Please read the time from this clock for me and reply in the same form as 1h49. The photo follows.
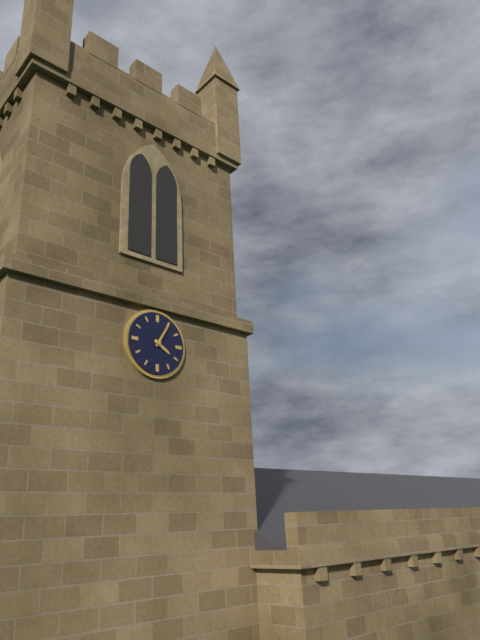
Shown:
4h05
